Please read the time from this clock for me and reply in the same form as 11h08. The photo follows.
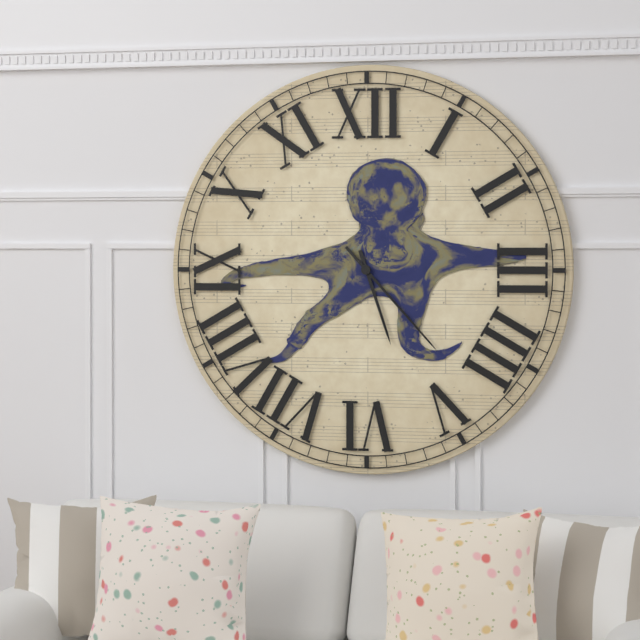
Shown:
5h23
